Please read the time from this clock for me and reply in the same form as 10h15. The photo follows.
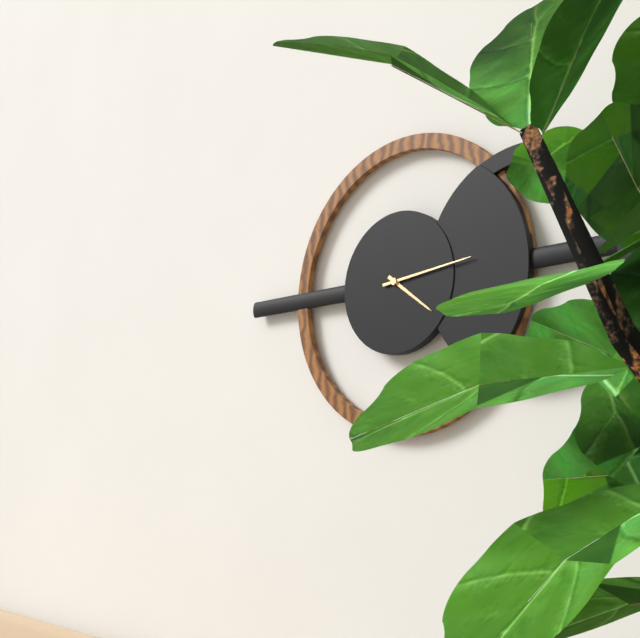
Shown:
4h14
